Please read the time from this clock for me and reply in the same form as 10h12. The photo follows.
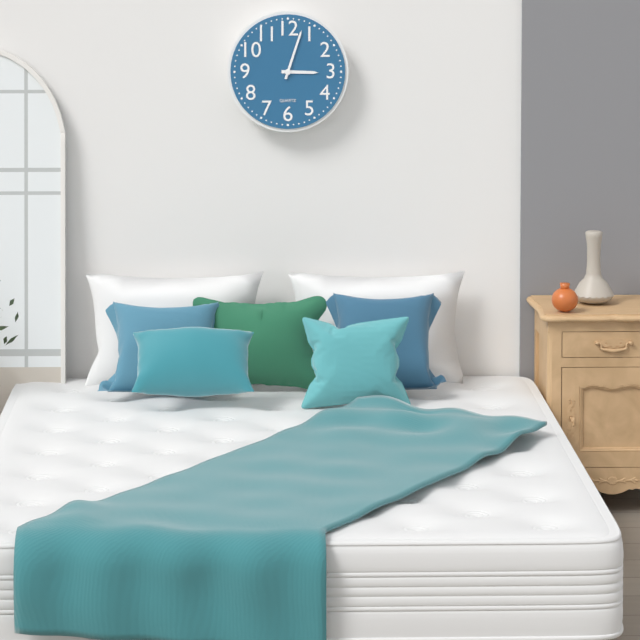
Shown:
3h03
